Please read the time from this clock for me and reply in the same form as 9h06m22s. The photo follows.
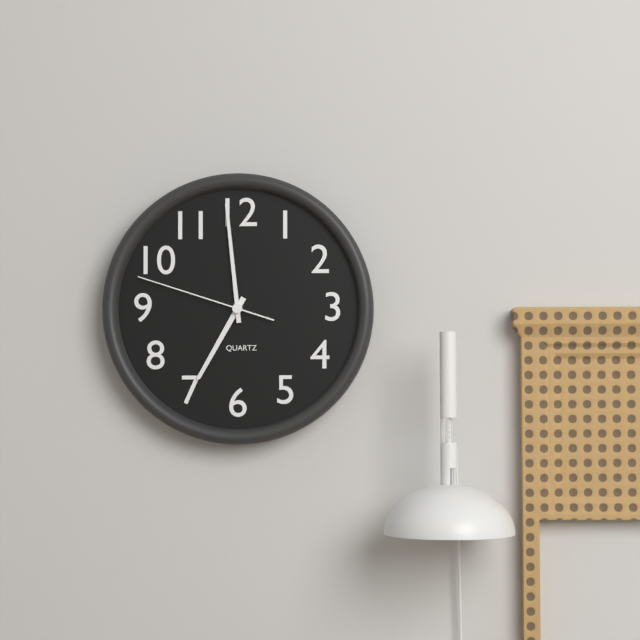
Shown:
6h59m48s
